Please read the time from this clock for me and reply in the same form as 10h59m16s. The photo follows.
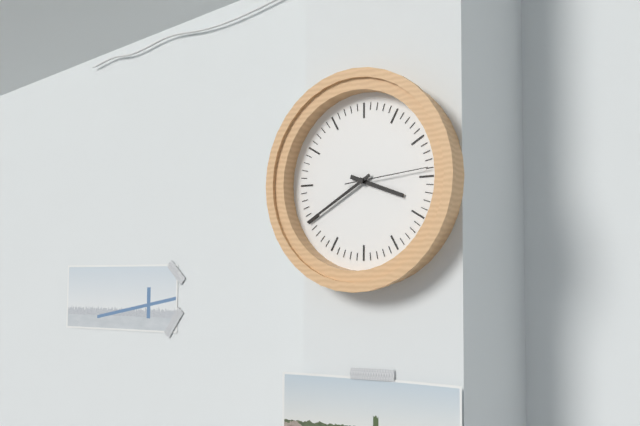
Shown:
3h40m14s
